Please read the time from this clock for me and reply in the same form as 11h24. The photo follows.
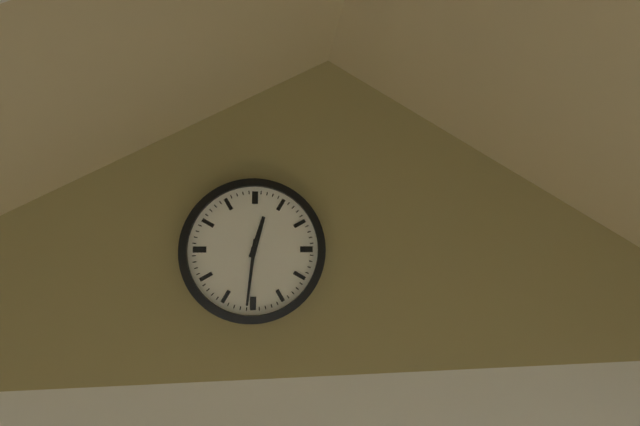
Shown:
12h31
